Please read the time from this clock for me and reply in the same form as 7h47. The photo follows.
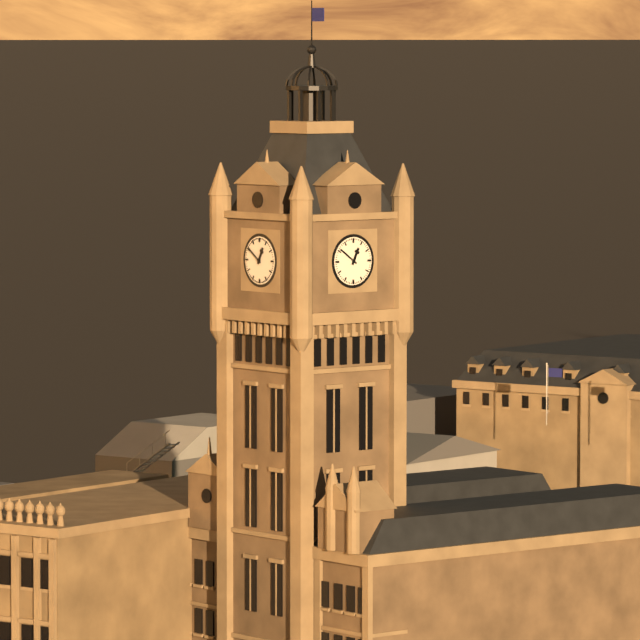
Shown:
12h51
